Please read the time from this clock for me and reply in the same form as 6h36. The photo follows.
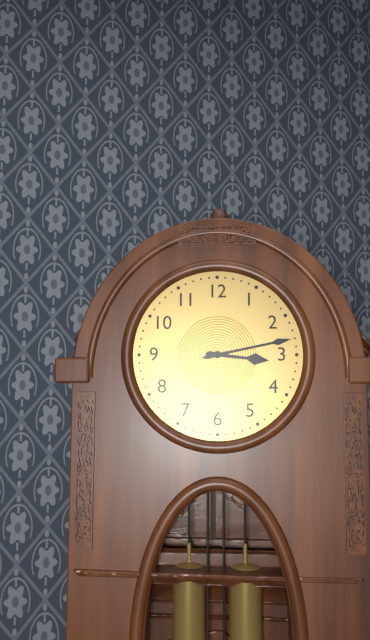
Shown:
3h13
